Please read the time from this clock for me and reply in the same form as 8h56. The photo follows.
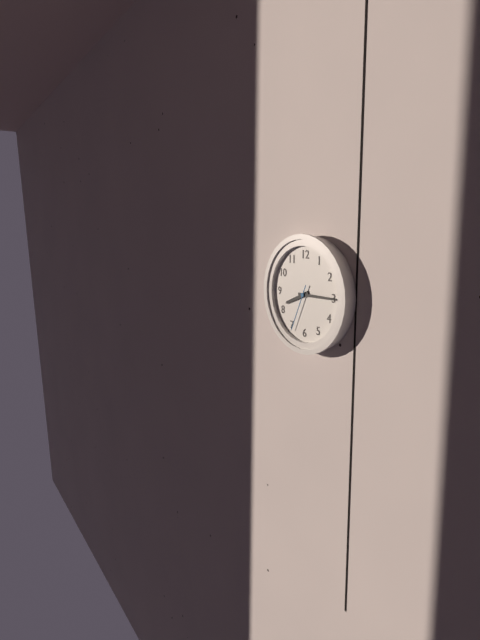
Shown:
8h15
